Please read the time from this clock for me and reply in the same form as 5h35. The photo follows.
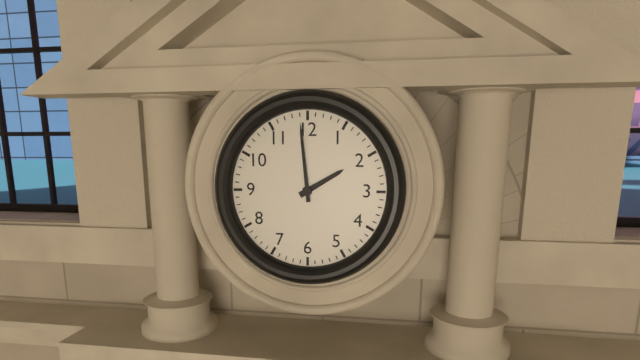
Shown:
1h59
